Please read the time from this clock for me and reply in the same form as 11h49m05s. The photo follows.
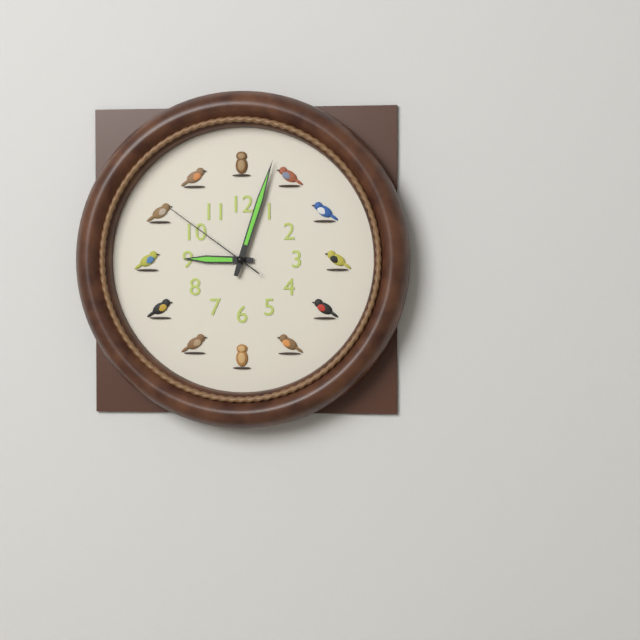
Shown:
9h03m51s
